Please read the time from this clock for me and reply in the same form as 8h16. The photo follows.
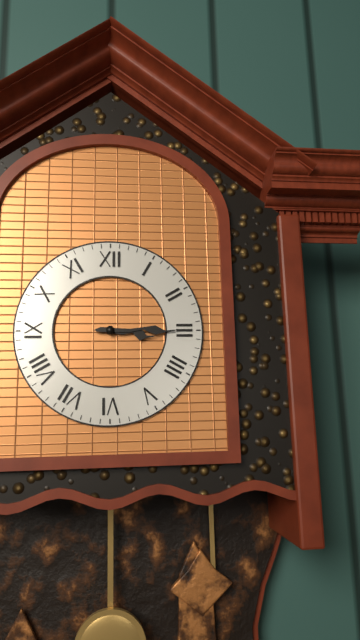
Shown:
3h15
